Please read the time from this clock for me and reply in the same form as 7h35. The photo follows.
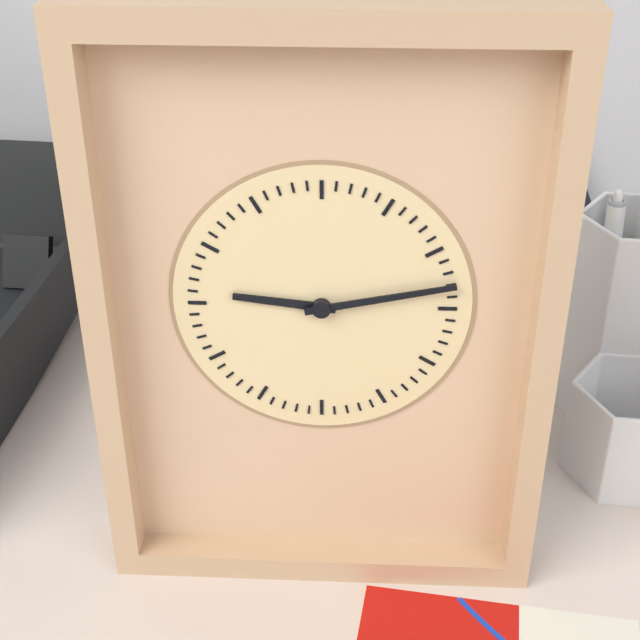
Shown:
9h13
